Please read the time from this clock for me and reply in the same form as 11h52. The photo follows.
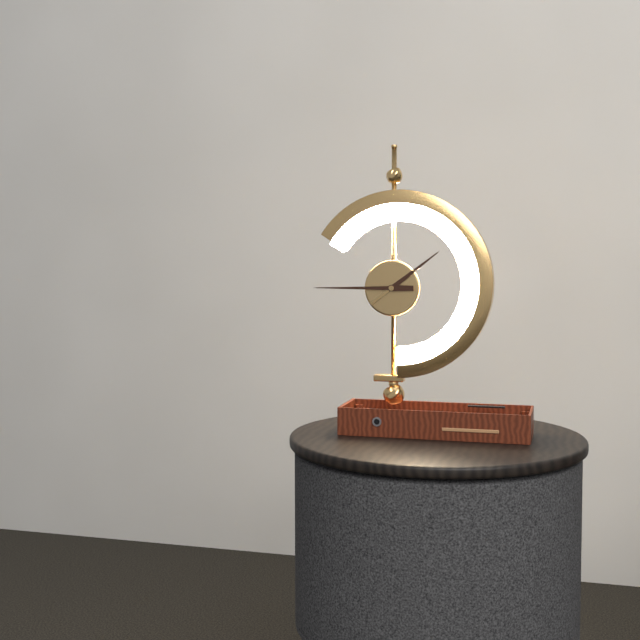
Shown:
1h45
